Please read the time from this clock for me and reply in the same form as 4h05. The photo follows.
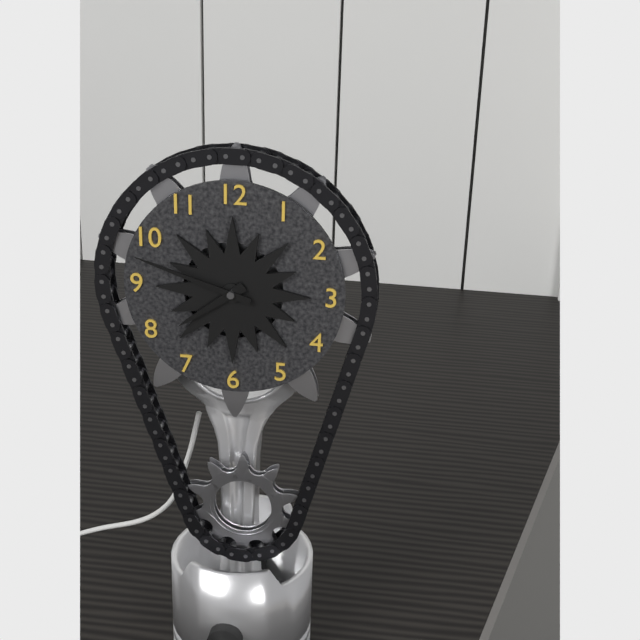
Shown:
7h48
